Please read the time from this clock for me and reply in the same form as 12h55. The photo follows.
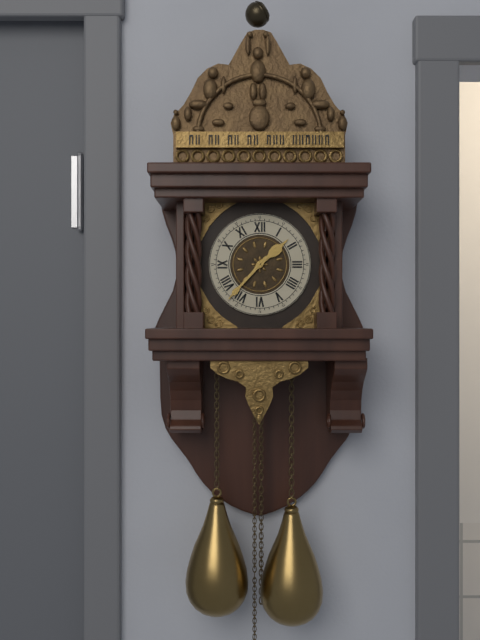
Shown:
1h37
